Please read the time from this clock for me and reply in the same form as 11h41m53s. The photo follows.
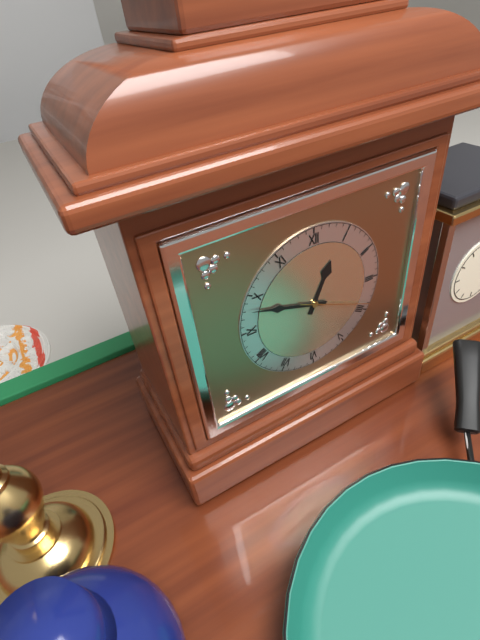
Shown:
12h48m19s
